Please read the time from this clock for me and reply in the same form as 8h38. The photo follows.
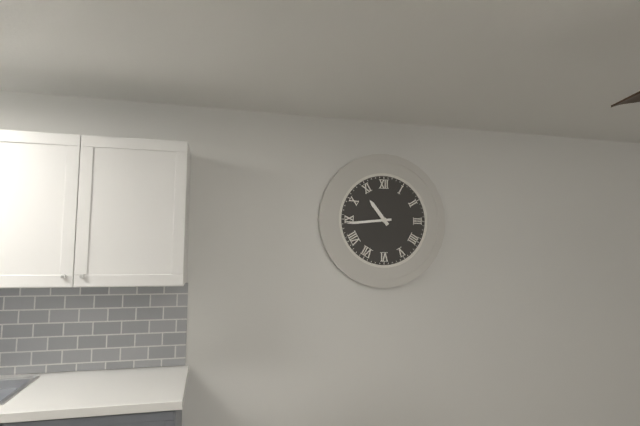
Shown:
10h44
